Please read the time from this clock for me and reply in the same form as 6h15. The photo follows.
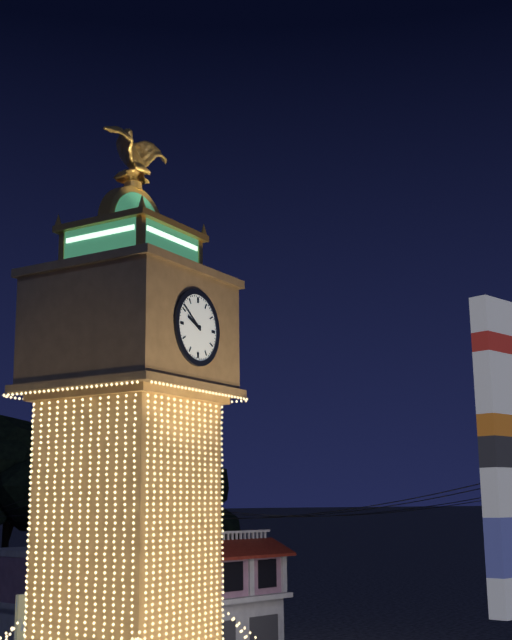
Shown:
9h51
